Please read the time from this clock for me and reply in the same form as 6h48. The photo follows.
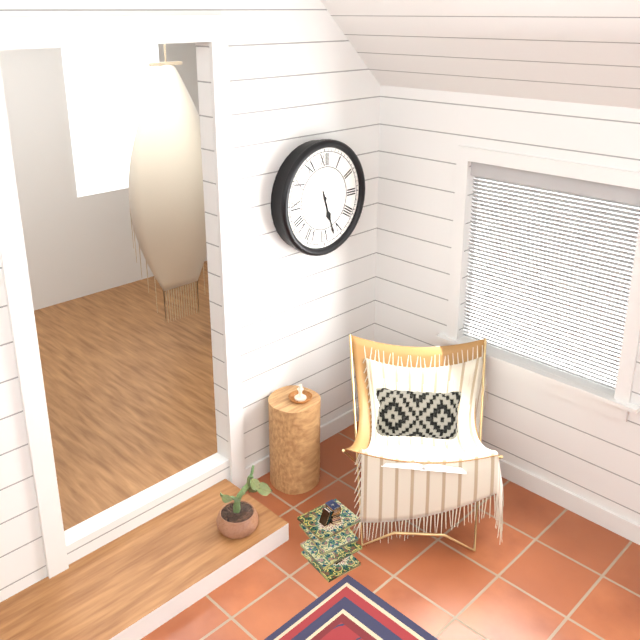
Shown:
5h27
